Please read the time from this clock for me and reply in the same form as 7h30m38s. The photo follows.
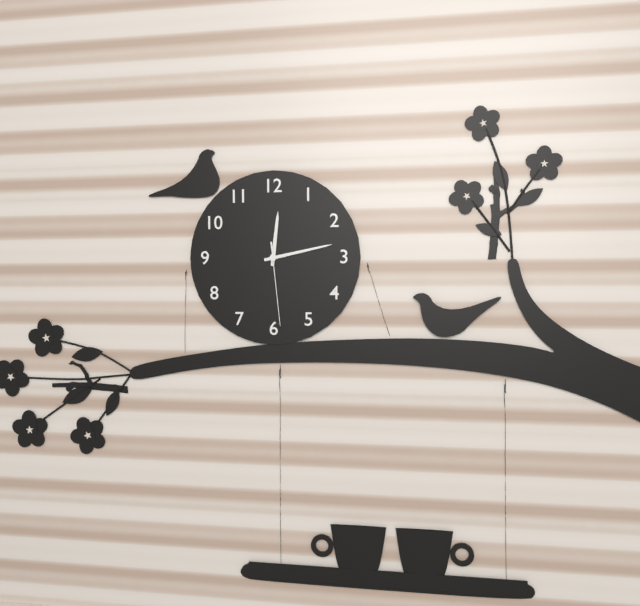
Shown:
12h13m29s
